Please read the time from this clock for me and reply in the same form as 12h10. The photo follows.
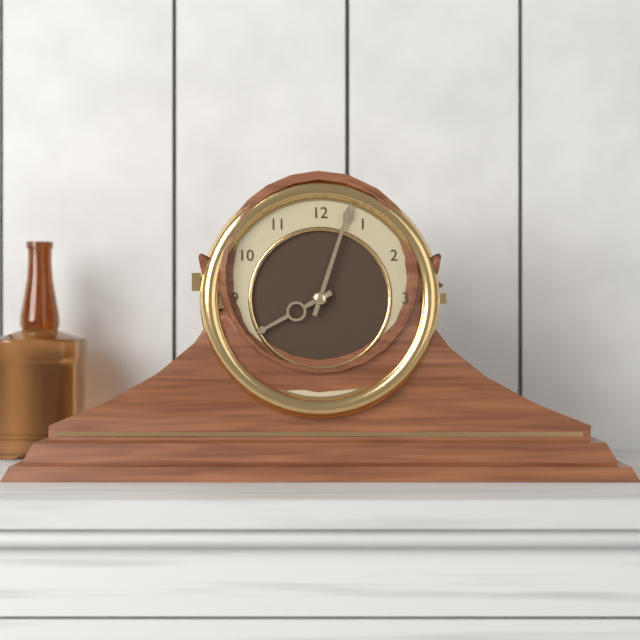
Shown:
8h03
